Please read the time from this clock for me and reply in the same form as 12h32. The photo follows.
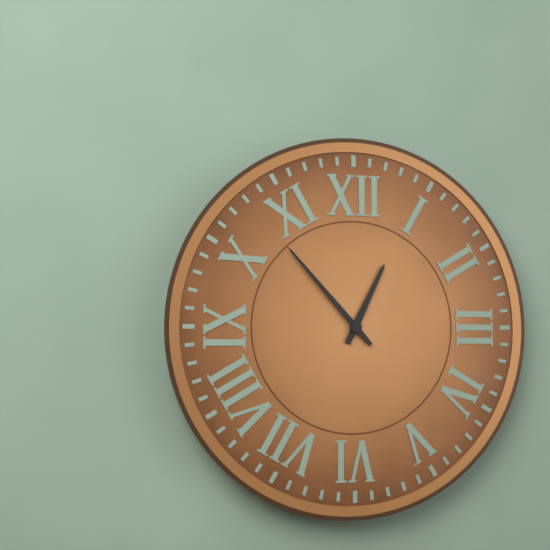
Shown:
12h53
